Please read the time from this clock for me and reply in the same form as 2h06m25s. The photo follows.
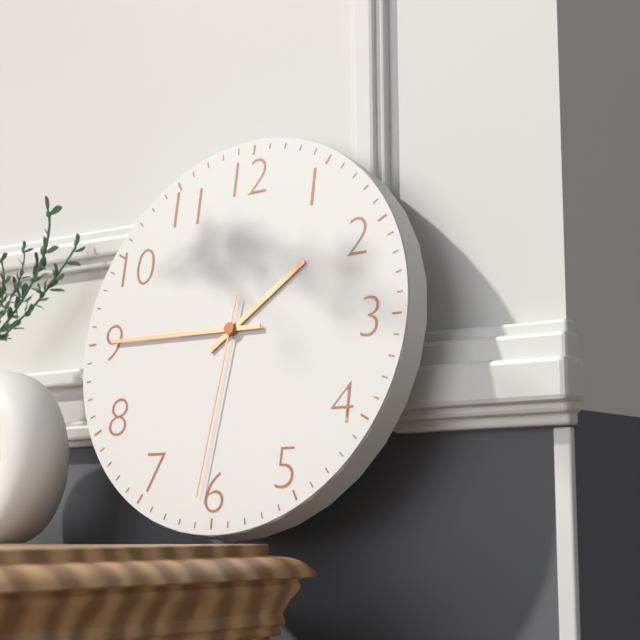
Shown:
1h45m31s
